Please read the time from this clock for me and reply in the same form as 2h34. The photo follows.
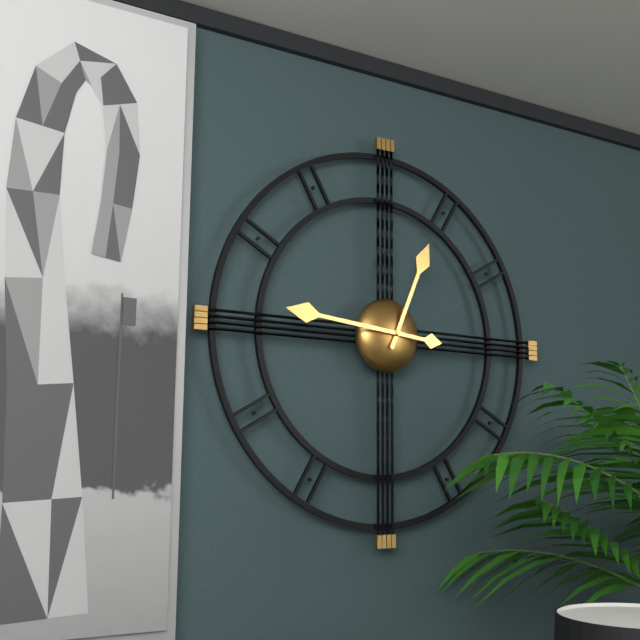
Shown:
12h46
